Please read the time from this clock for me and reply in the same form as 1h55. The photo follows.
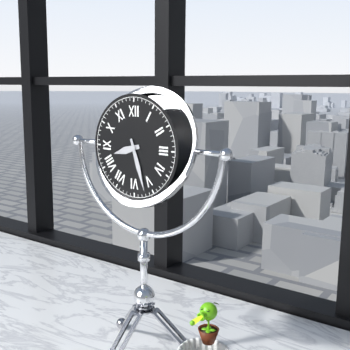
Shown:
8h27
